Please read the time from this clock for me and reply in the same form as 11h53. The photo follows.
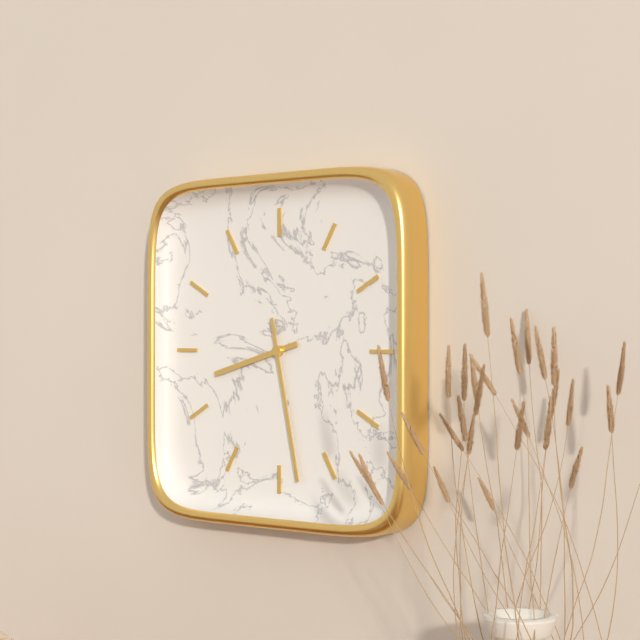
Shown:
8h28
